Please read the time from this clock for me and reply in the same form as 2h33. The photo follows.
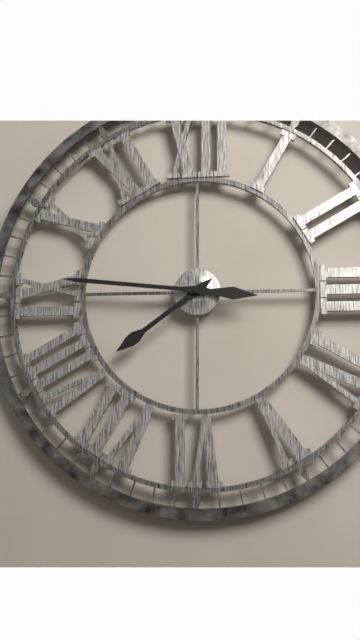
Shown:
7h46
